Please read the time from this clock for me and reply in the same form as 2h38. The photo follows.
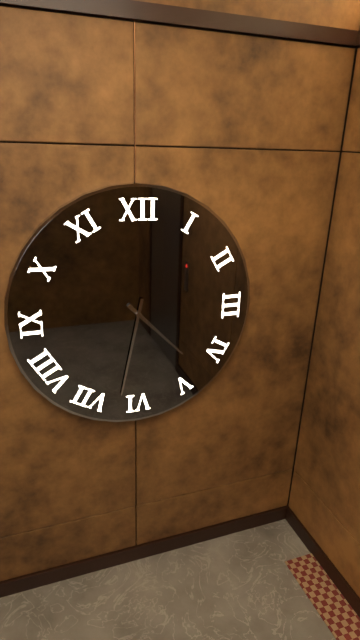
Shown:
4h32
